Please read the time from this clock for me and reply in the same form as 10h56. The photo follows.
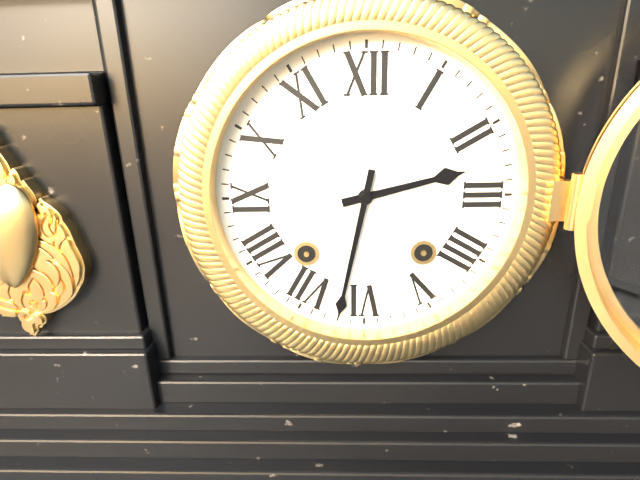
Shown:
2h32
